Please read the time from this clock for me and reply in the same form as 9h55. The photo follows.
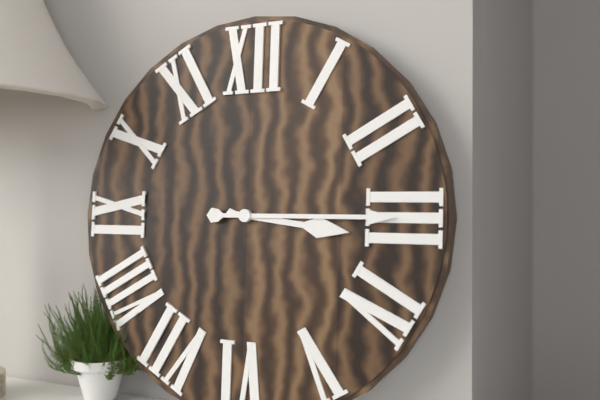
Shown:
3h15
